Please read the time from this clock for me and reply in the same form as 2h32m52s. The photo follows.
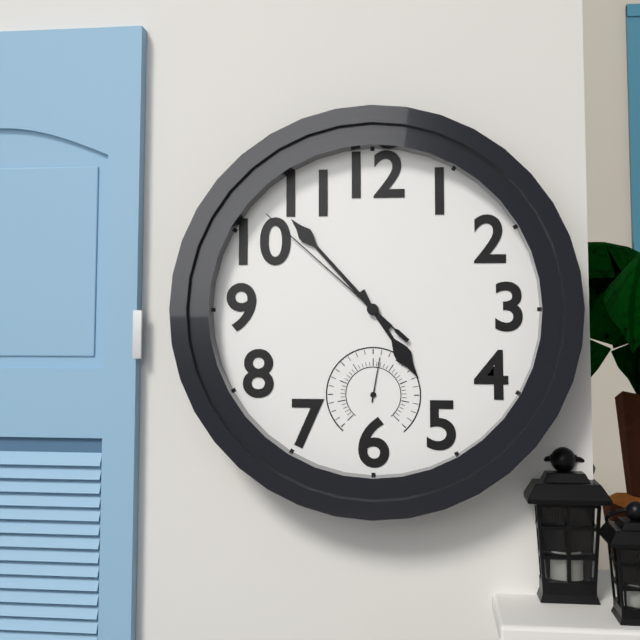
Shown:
4h53m52s
